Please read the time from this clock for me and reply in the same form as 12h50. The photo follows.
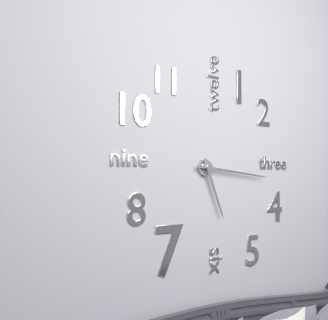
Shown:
5h16
